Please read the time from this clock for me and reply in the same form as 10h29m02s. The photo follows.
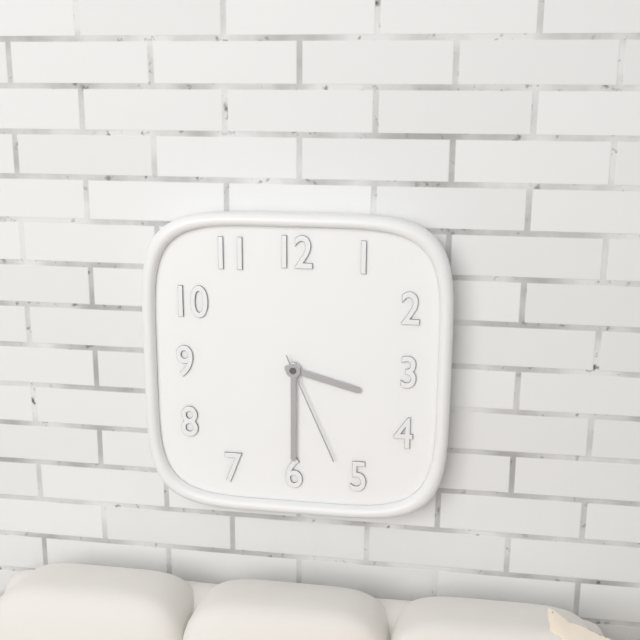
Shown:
3h30m26s
